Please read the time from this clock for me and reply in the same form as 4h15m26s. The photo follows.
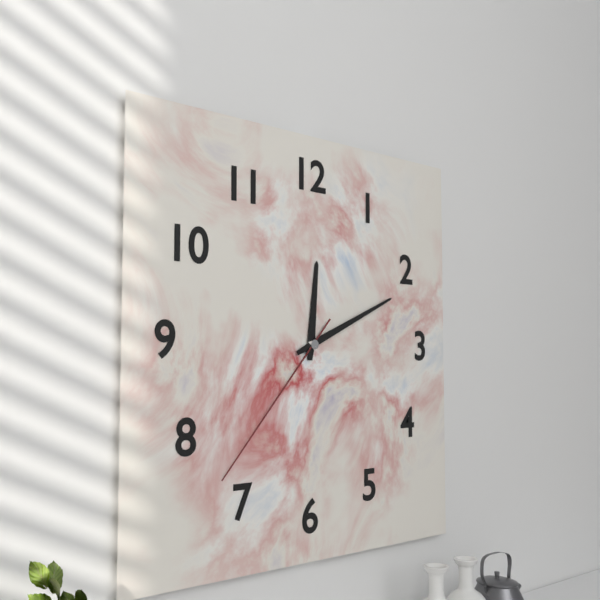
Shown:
12h11m37s
